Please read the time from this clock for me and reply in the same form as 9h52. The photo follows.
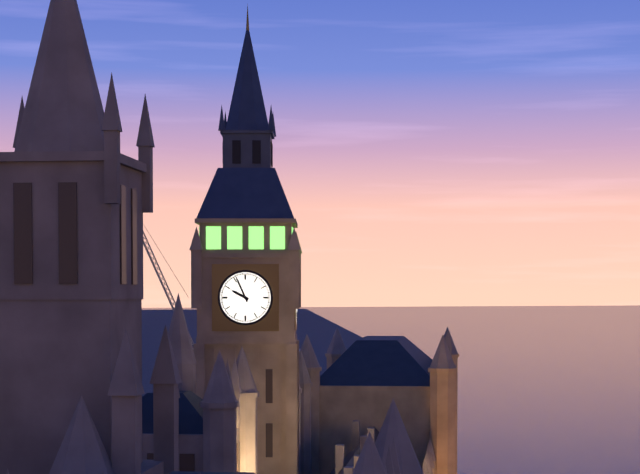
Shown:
9h56
